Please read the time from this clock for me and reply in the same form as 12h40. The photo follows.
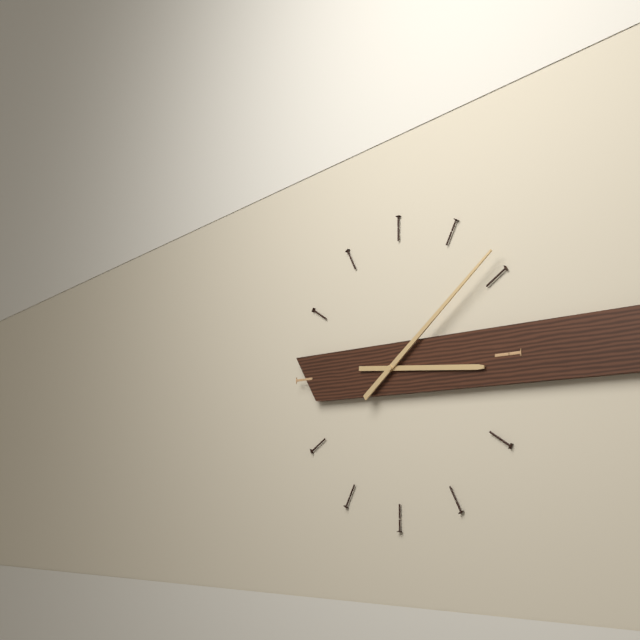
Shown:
3h09
